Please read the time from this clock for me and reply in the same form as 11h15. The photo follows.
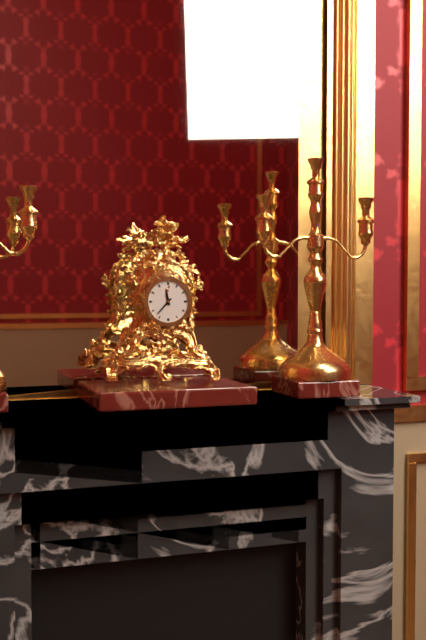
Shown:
11h37
